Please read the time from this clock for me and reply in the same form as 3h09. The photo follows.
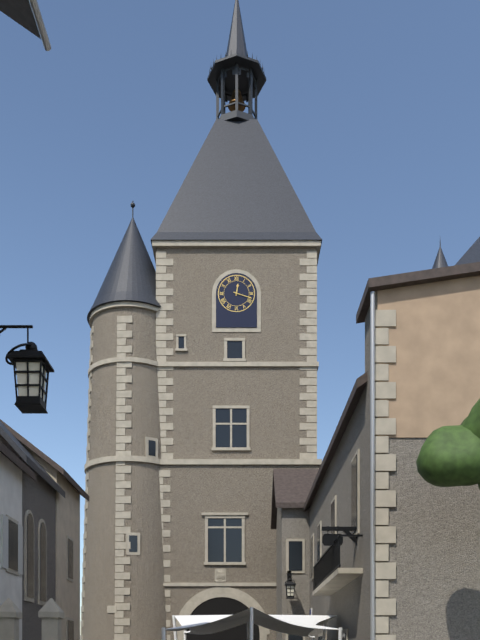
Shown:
12h18
